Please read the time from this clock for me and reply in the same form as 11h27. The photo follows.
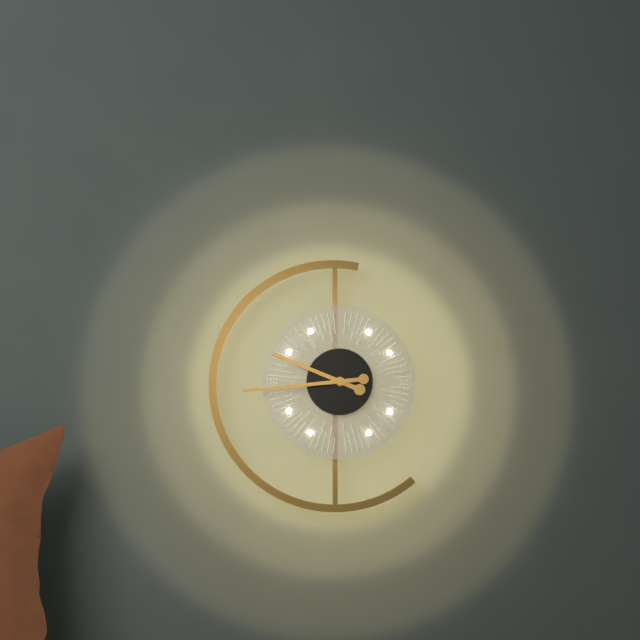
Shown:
9h44
